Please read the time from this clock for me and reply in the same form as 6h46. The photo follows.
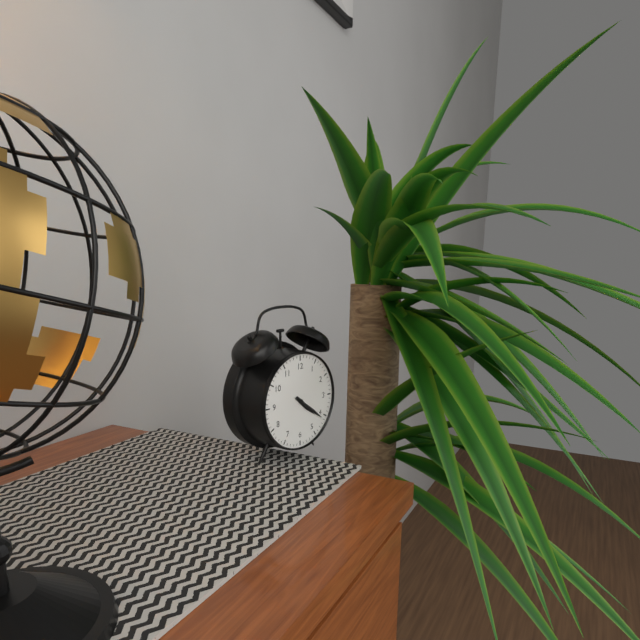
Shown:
4h21
